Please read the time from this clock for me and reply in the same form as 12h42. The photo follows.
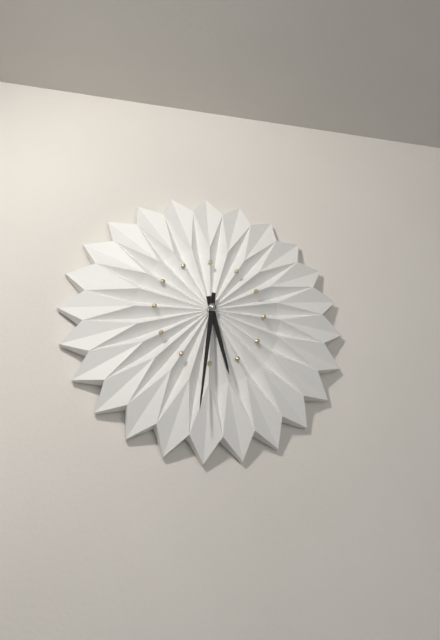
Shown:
5h31
